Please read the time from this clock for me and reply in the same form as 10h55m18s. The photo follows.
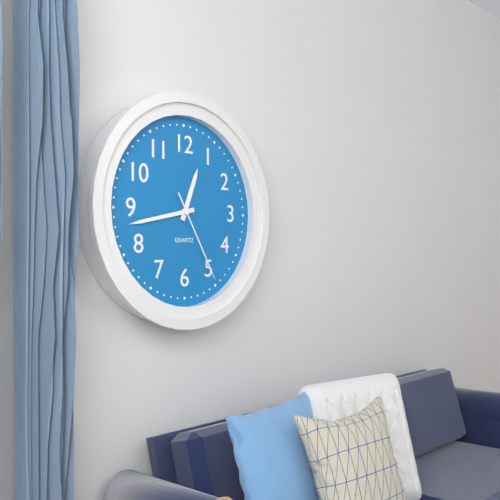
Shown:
12h43m25s
